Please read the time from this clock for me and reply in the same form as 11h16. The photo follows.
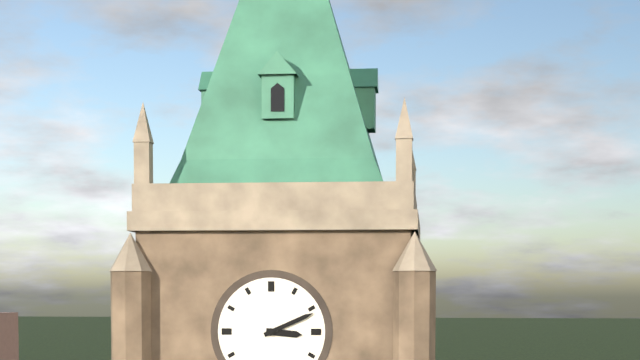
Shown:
3h11
